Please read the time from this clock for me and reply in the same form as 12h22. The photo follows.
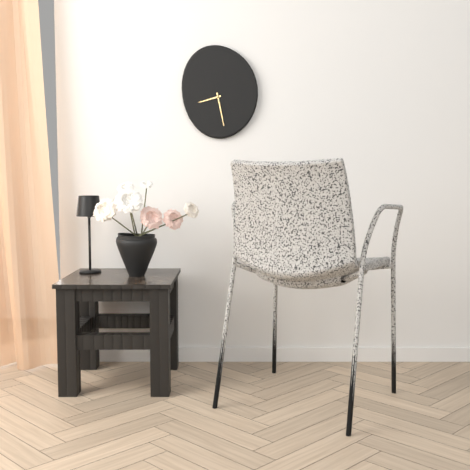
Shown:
8h28
